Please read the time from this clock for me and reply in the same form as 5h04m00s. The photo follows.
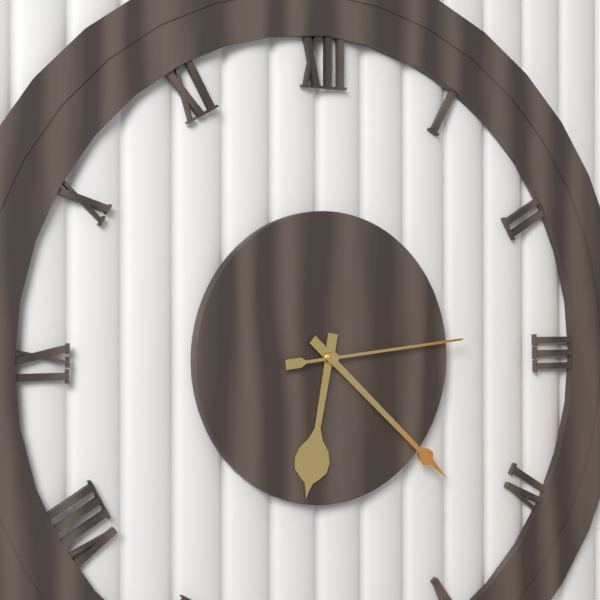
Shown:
6h22m14s
